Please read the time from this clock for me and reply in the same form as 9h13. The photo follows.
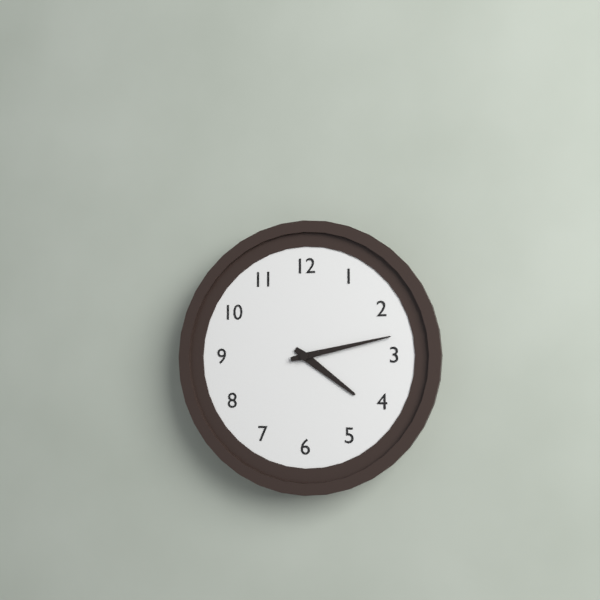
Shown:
4h13
